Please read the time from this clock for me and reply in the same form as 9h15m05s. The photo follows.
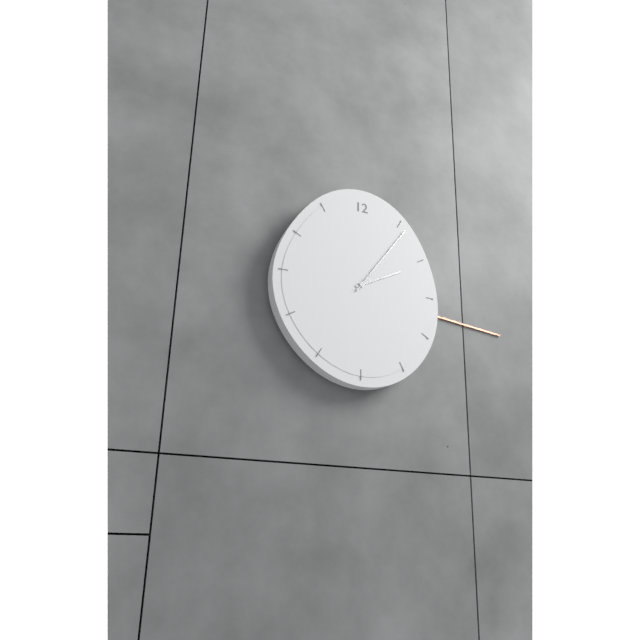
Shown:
2h06m16s
